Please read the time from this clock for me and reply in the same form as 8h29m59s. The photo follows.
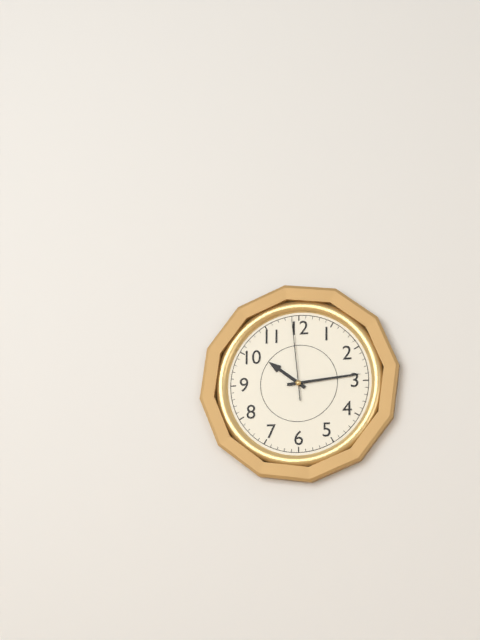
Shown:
10h14m59s
